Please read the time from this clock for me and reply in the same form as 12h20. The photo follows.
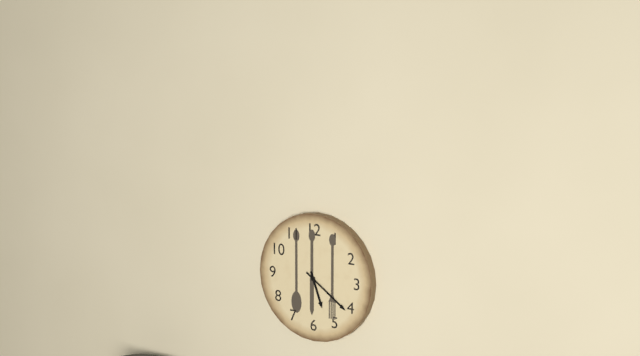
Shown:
5h21
